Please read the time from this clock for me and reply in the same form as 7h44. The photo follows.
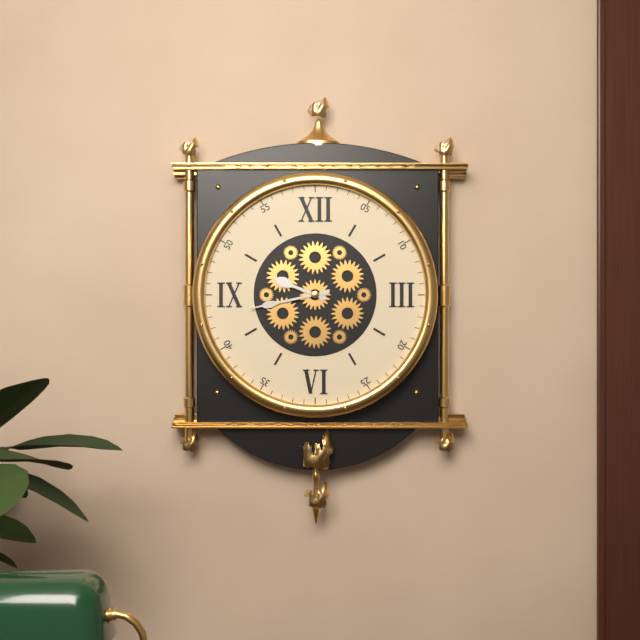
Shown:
9h43
